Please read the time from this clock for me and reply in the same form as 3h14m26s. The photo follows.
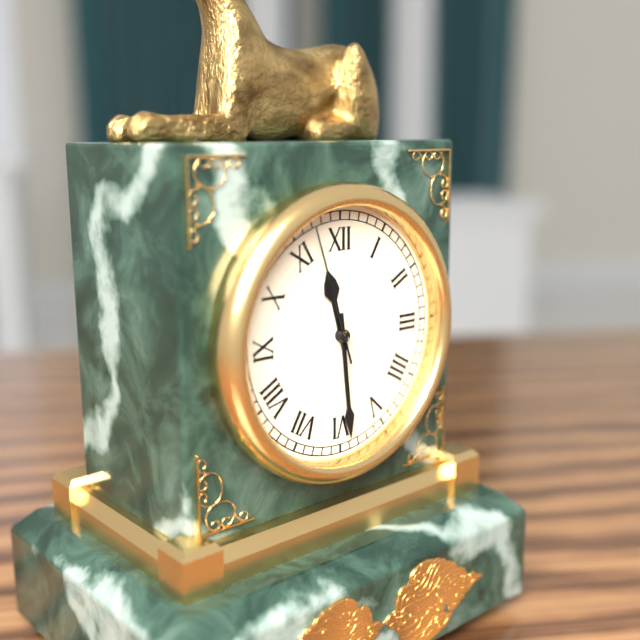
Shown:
11h29m57s
